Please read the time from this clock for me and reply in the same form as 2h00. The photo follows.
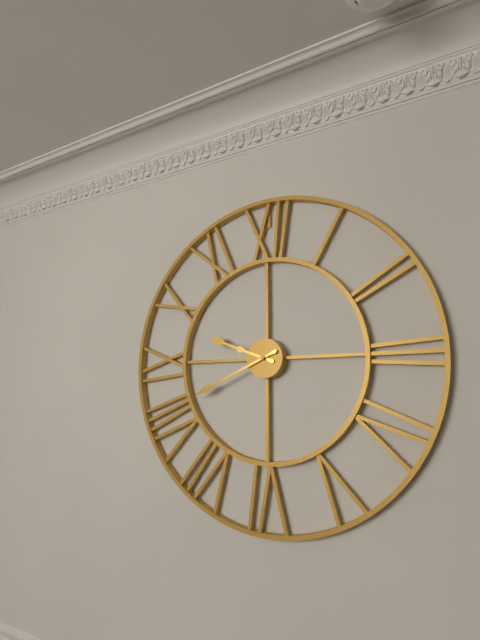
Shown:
9h41
